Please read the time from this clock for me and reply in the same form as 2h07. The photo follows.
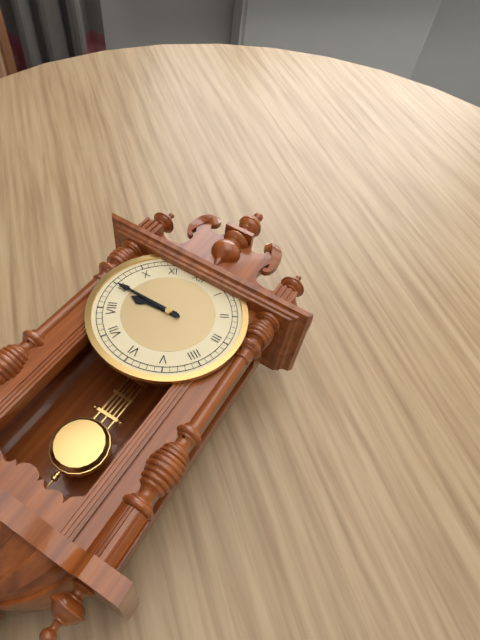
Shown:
8h45
